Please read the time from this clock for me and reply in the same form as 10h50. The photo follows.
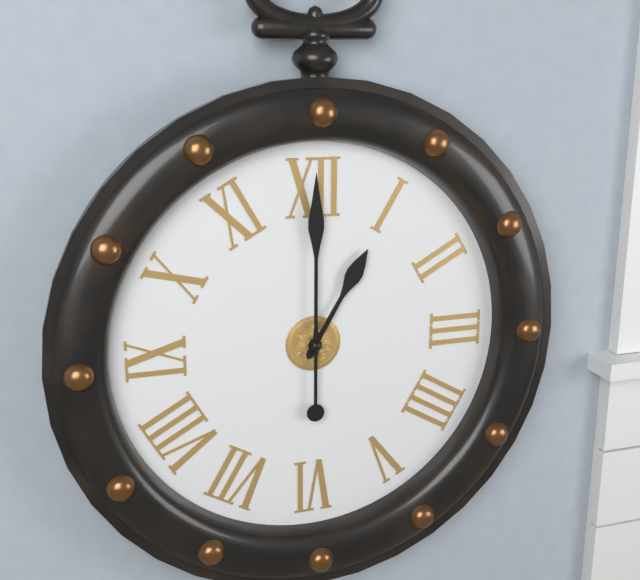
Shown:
1h00
